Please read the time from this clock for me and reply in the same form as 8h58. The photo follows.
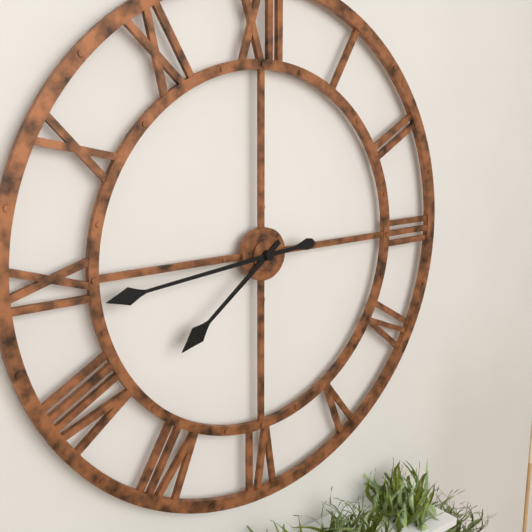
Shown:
7h44
